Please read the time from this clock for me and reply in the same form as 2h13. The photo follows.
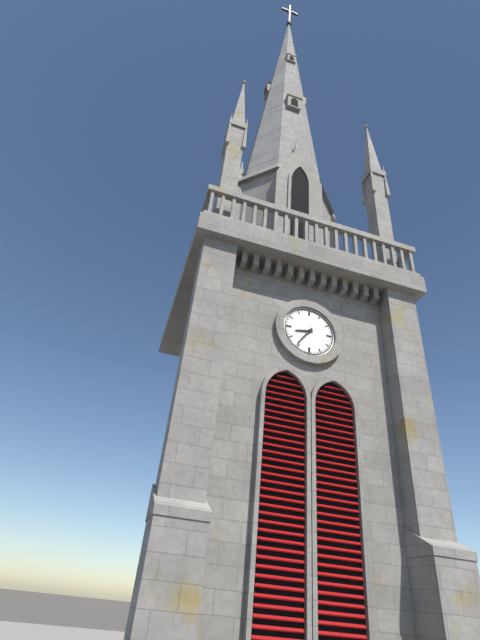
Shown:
8h36
